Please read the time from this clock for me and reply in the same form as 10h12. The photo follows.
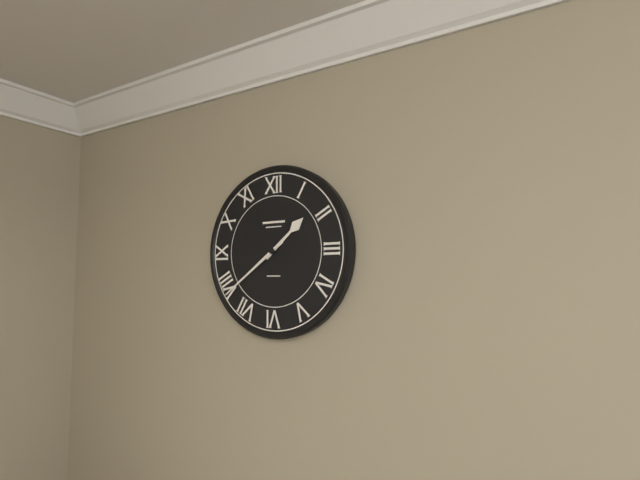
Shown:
1h39
